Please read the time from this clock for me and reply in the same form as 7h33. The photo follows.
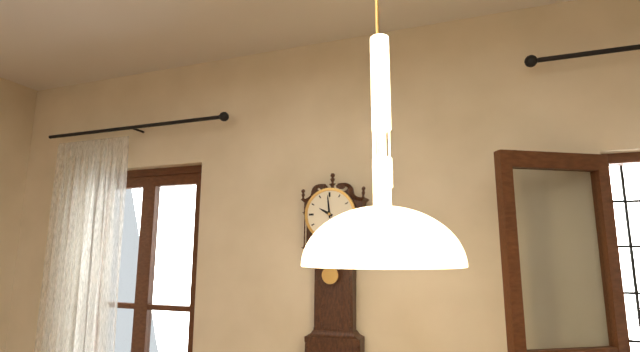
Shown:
9h59
